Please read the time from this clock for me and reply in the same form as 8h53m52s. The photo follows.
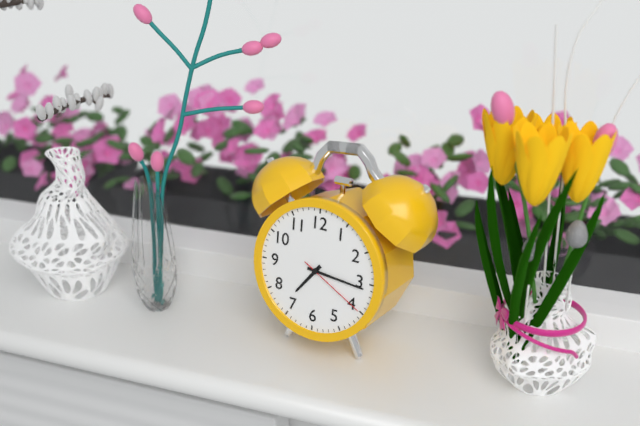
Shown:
7h16m20s
